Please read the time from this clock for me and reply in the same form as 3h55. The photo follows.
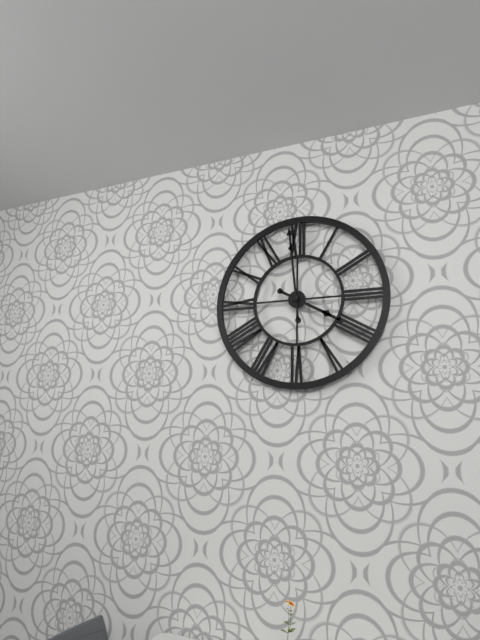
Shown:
3h59
